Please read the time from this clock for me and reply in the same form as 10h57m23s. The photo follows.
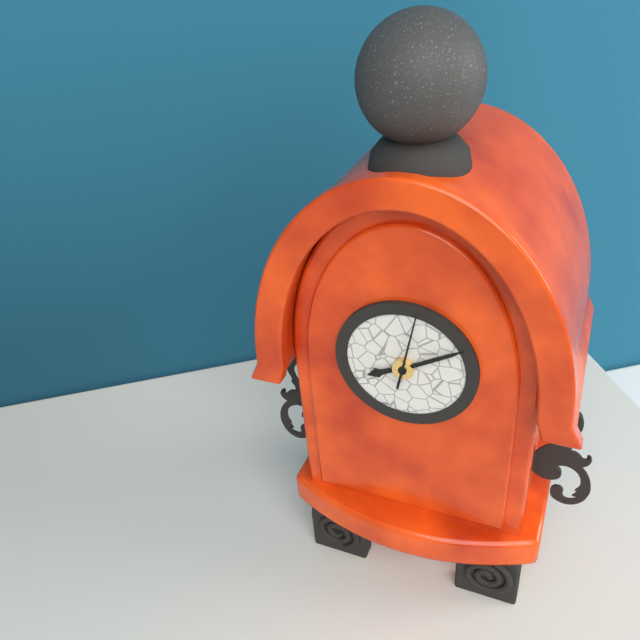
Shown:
8h10m02s
